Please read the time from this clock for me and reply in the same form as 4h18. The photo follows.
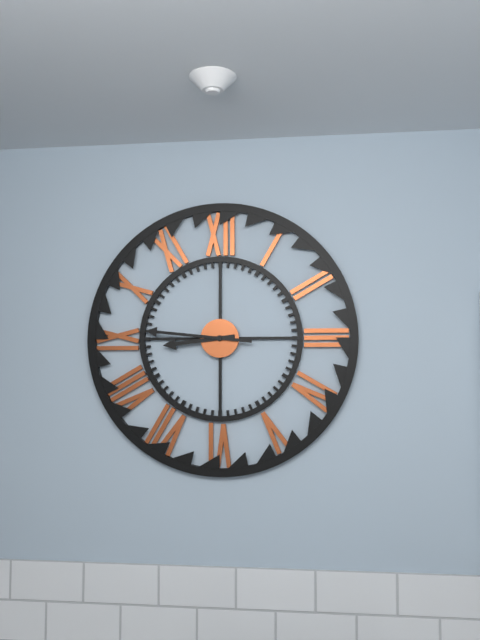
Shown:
8h46
